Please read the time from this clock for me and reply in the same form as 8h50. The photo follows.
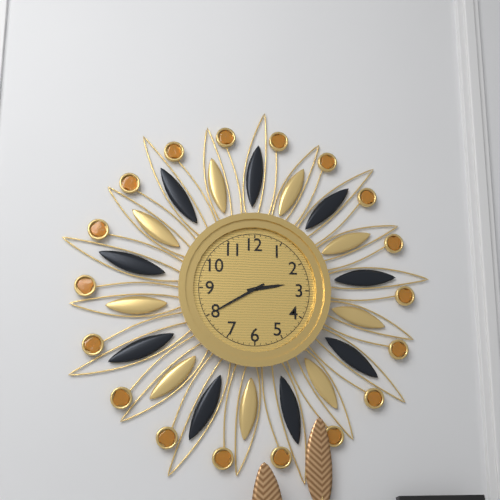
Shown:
2h40
